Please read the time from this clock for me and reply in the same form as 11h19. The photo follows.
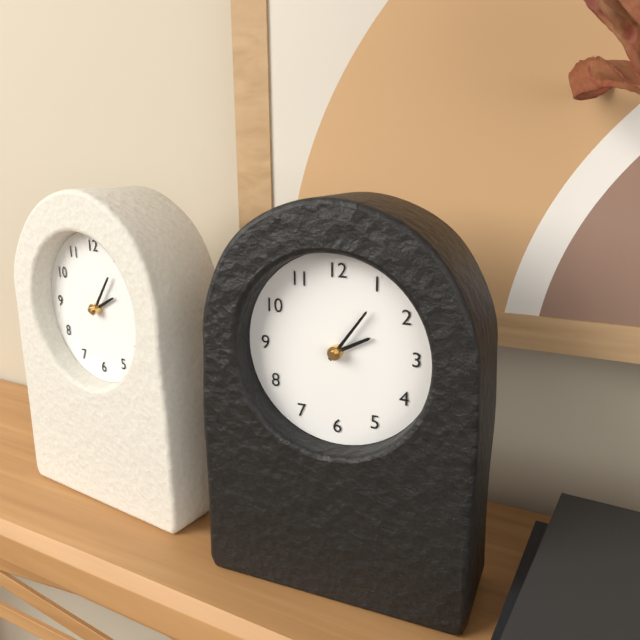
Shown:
2h06
